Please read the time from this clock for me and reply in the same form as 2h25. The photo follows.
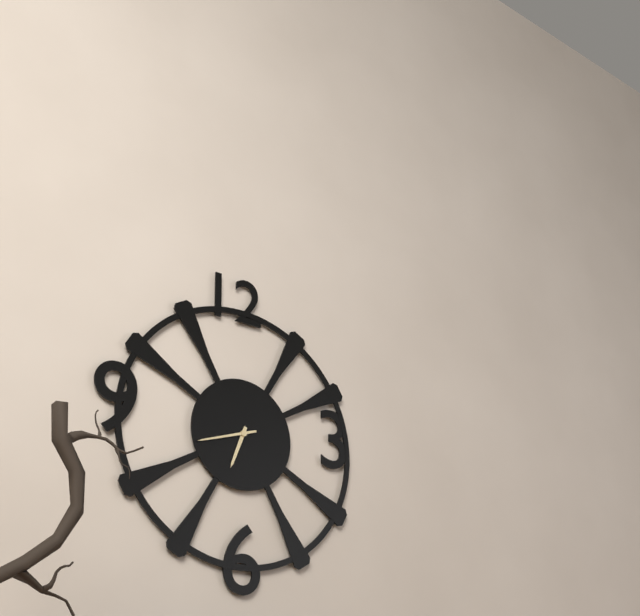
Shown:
6h42
